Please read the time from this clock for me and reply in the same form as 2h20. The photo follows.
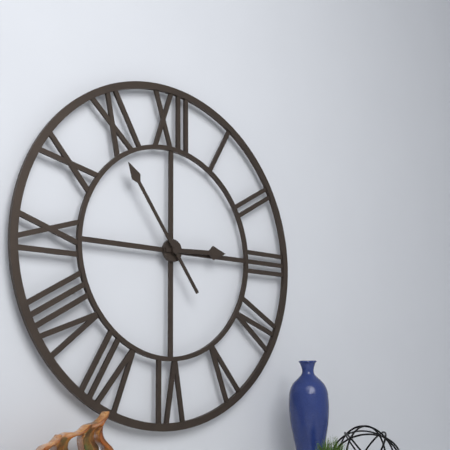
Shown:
2h54
